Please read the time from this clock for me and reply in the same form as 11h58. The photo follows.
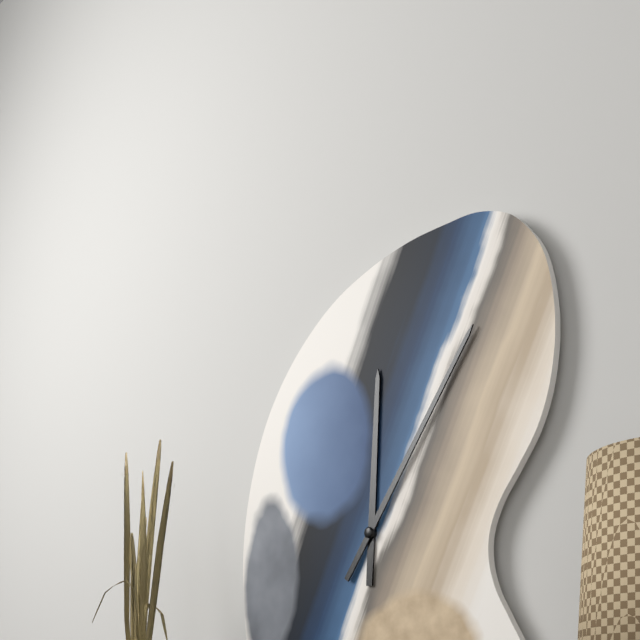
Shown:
12h06
